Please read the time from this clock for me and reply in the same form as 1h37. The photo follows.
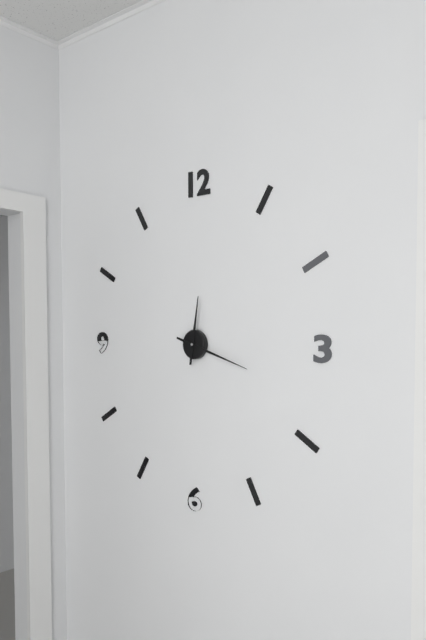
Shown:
12h18
